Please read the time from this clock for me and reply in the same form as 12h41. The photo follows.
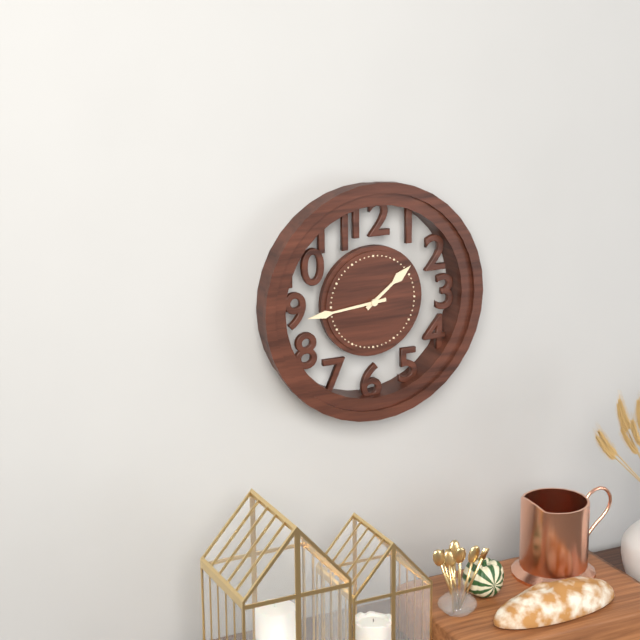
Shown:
1h44
